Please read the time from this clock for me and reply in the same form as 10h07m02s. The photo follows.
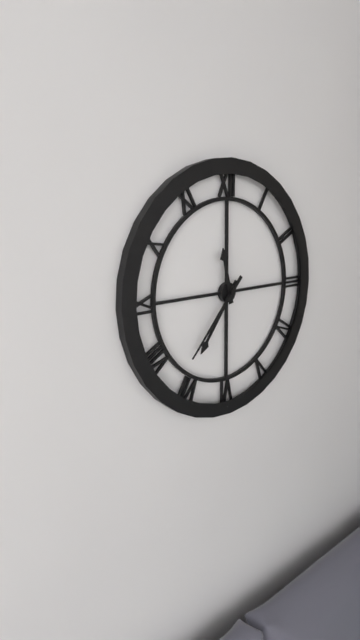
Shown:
11h36m37s
